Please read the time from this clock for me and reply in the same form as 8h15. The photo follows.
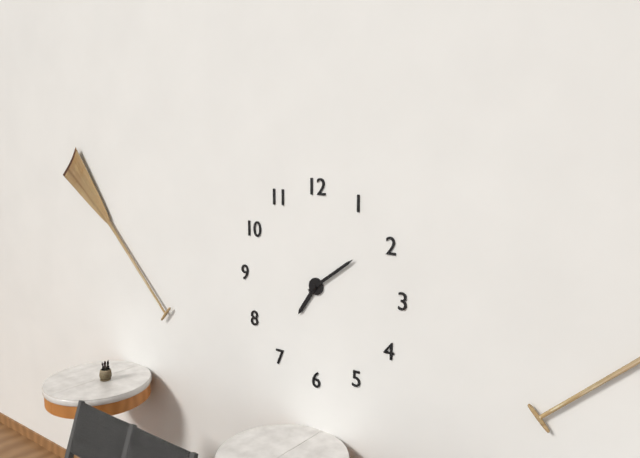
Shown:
7h09
